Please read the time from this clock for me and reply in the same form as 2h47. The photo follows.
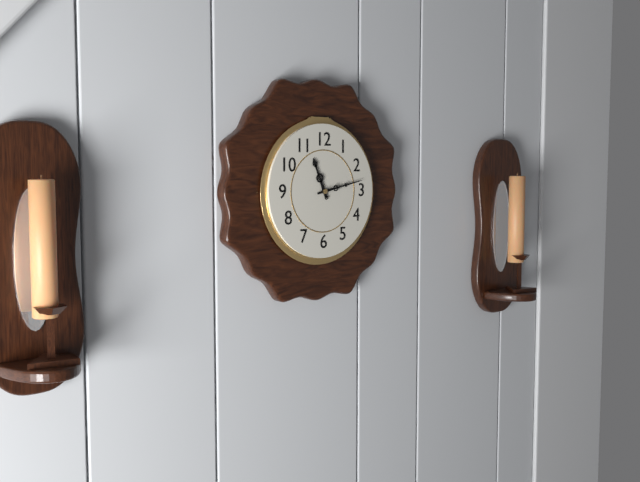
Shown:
11h13
